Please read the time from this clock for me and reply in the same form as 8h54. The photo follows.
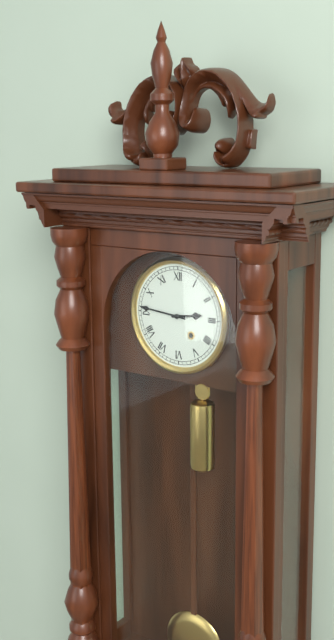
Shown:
2h46
